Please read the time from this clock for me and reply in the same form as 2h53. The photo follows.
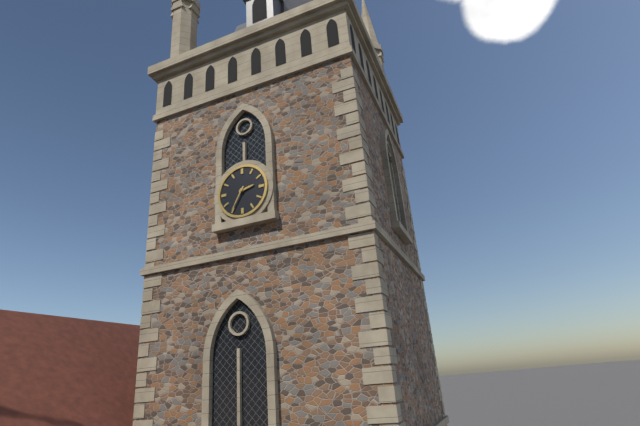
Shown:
2h35
